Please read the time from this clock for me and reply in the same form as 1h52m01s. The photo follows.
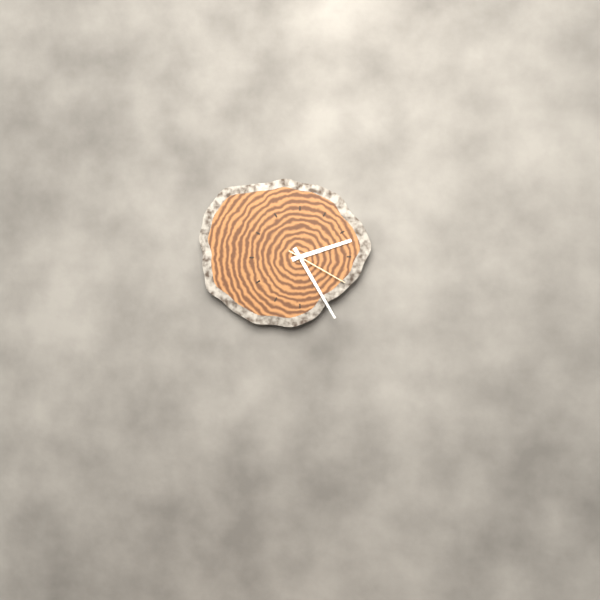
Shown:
2h25m20s
